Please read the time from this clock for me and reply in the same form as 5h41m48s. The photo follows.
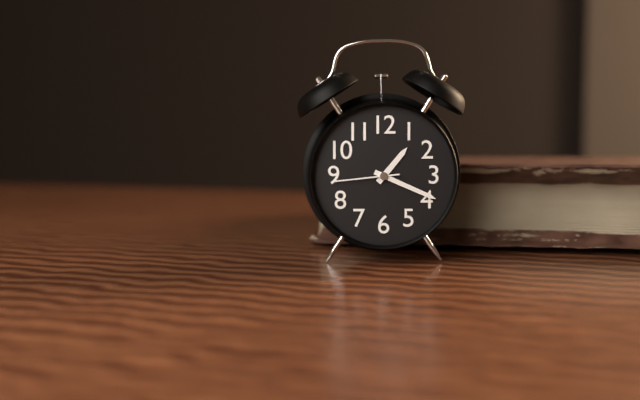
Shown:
1h19m44s
